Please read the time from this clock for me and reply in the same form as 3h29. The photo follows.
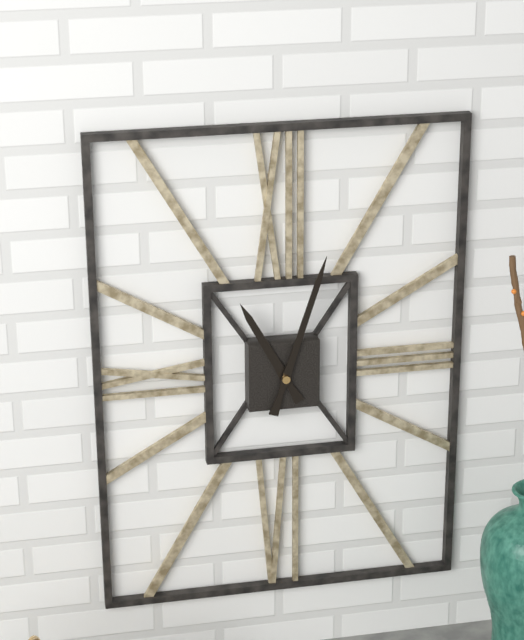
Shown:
11h03
